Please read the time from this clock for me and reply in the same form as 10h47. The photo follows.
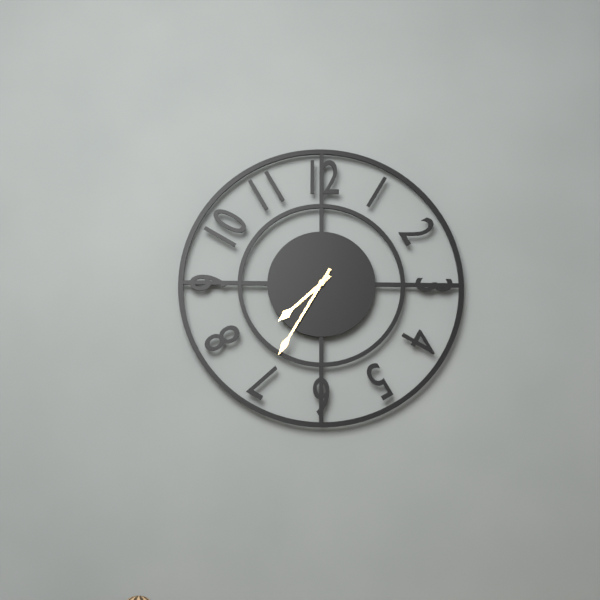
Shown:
7h35
